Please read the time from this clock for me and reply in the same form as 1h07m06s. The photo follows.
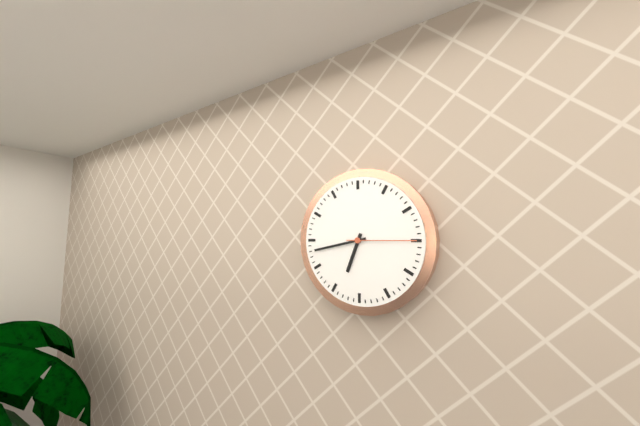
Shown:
6h43m15s
